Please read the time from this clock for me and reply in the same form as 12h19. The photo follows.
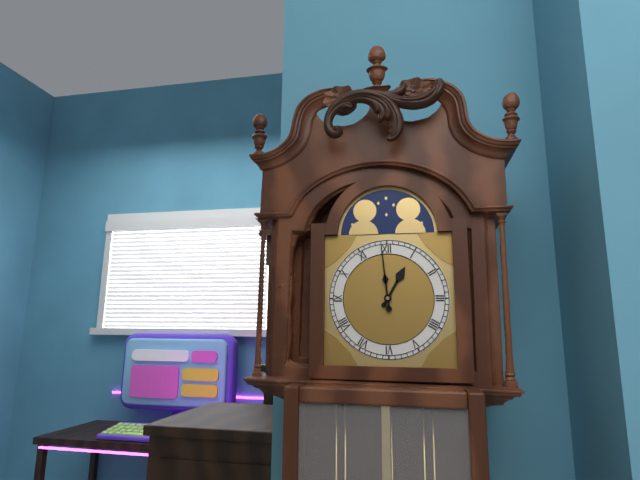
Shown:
12h59
